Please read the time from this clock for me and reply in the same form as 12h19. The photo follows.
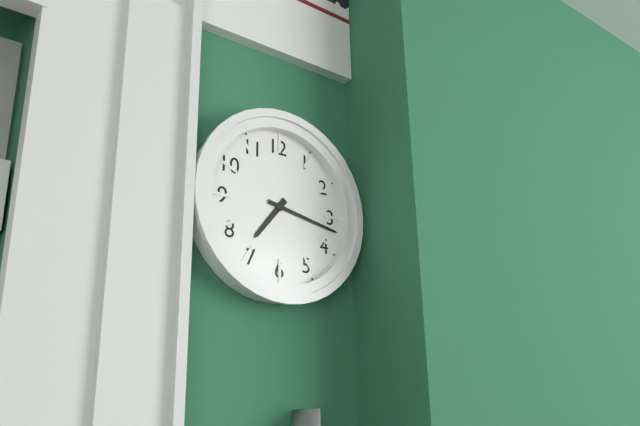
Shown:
7h17
